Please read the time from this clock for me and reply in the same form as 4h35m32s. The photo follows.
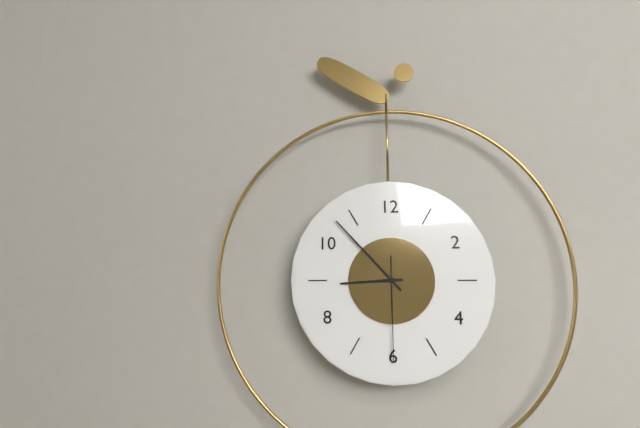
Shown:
8h53m30s
